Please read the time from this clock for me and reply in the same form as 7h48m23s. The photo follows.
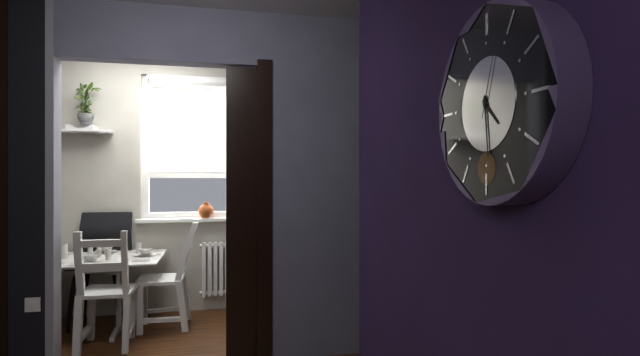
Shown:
4h29m03s
